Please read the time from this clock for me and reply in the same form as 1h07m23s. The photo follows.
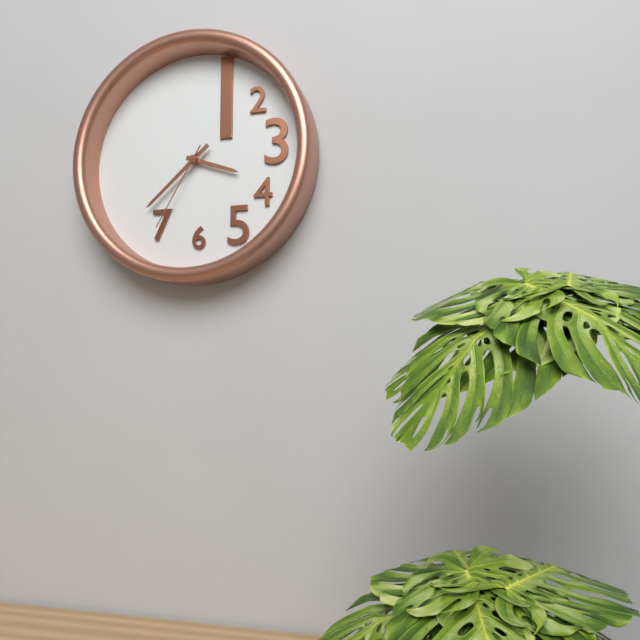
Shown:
3h38m35s
